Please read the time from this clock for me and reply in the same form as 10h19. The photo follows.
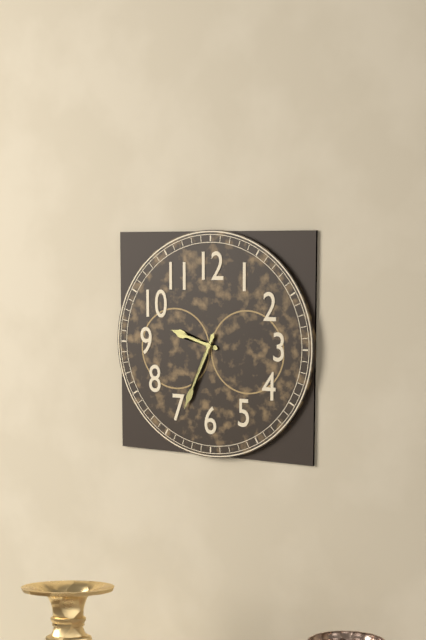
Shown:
9h34
